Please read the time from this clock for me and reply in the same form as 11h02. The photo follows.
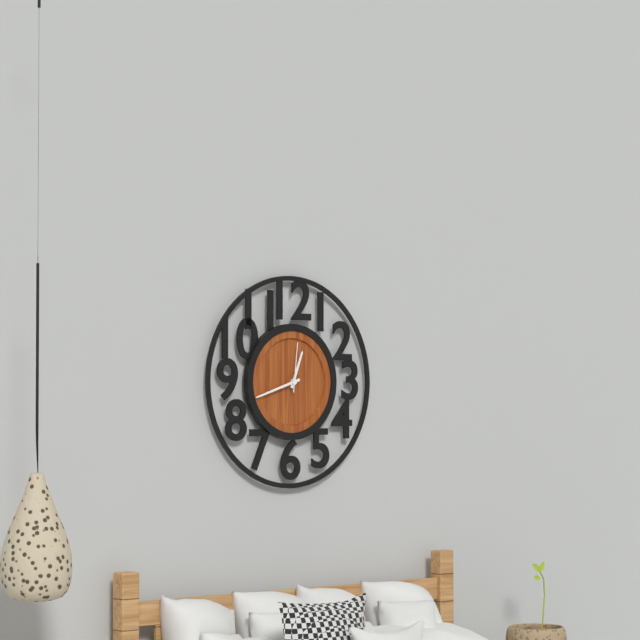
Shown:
12h42
